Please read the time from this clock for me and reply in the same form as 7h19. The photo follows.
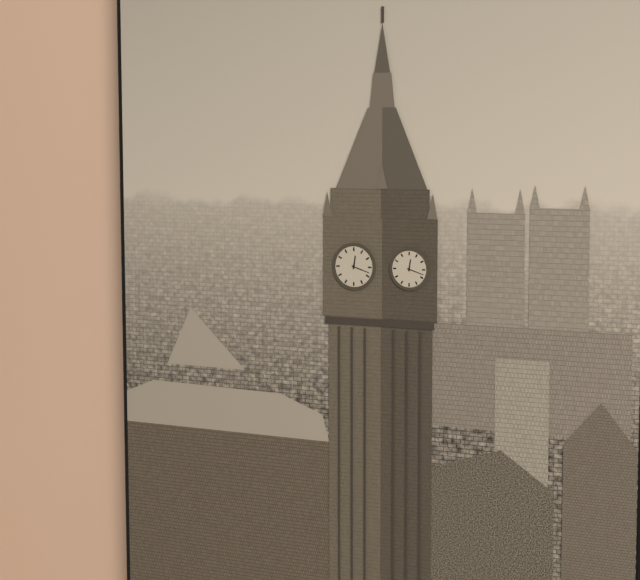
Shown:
12h18
